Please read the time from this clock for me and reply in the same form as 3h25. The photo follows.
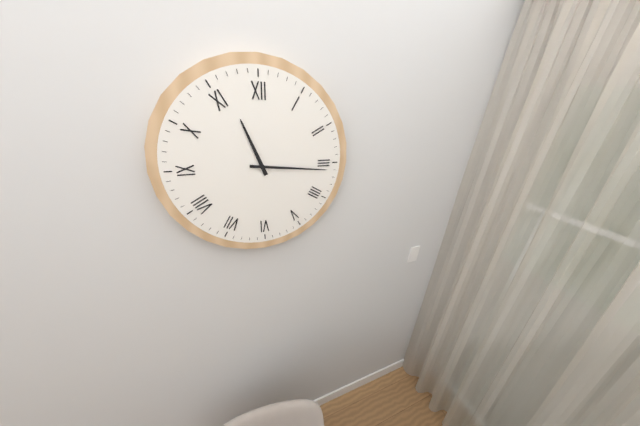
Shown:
11h16
